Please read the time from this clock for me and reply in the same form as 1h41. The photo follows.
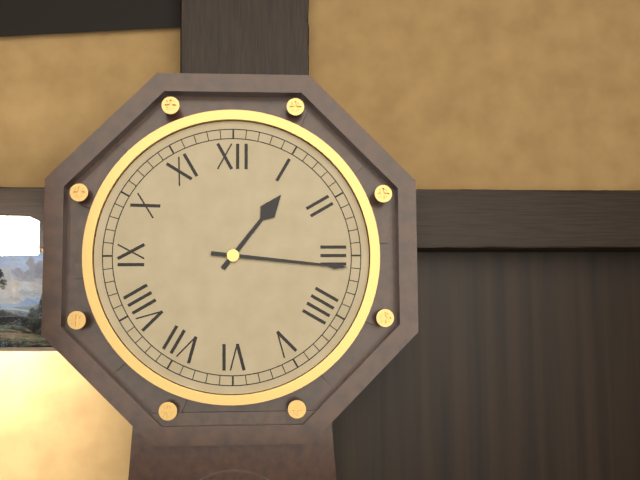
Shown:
1h16
